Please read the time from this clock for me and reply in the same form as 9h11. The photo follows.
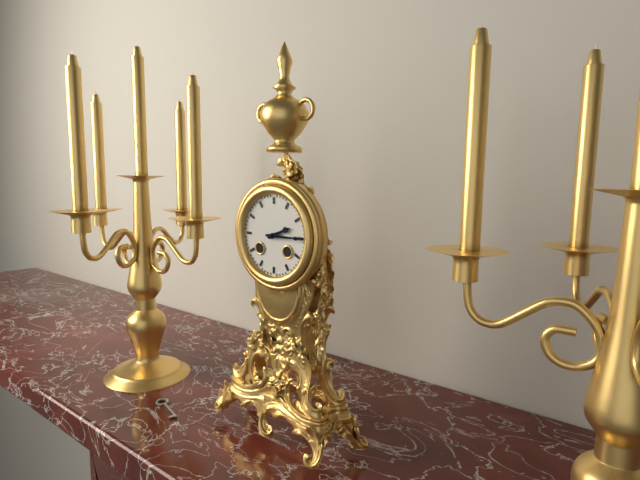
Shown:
2h15
